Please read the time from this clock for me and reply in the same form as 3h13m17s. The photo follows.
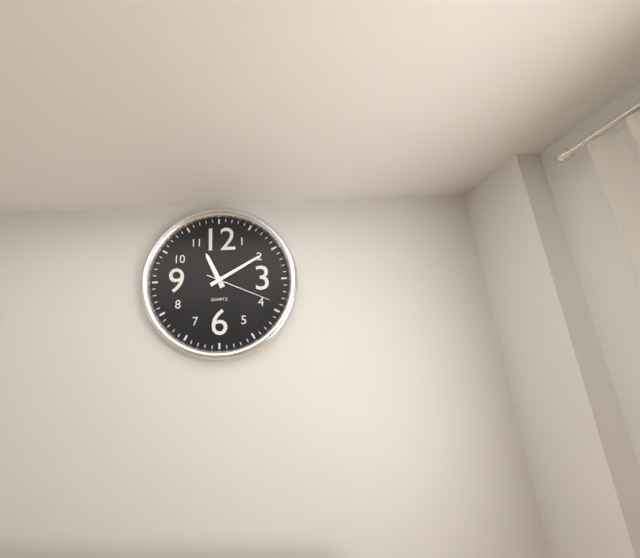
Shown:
11h10m19s
